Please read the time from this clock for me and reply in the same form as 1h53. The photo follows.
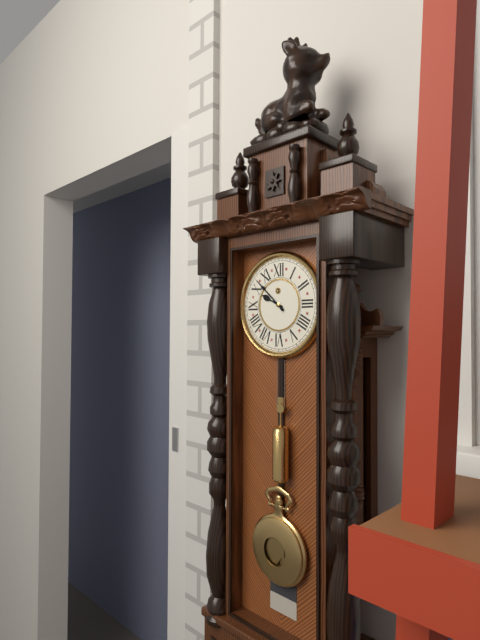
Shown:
9h52
